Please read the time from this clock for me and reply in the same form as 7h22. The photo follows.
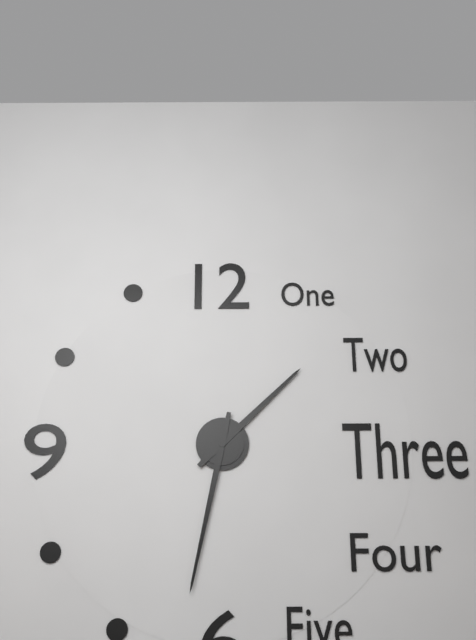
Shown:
1h32
